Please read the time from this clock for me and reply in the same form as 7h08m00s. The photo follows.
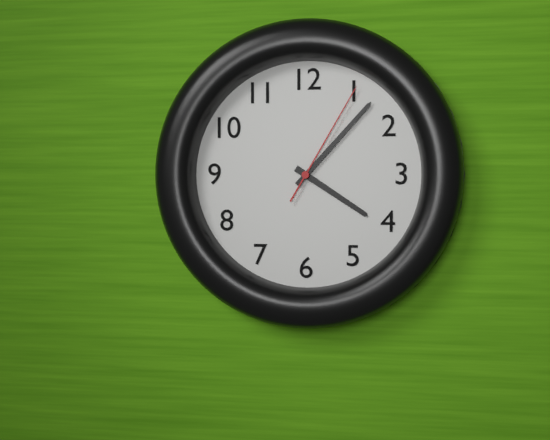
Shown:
4h07m05s
